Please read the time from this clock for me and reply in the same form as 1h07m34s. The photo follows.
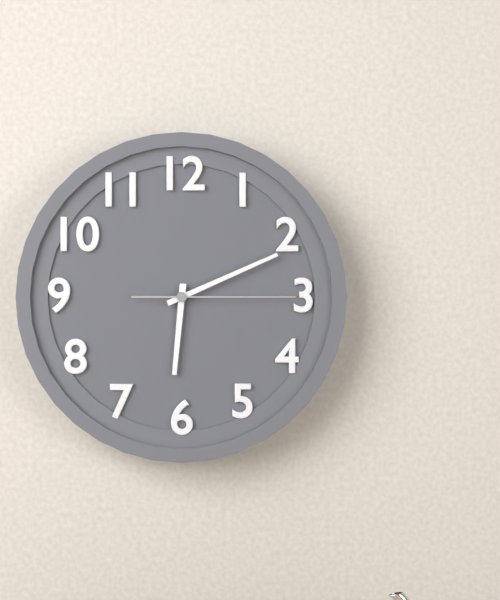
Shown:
6h11m15s
